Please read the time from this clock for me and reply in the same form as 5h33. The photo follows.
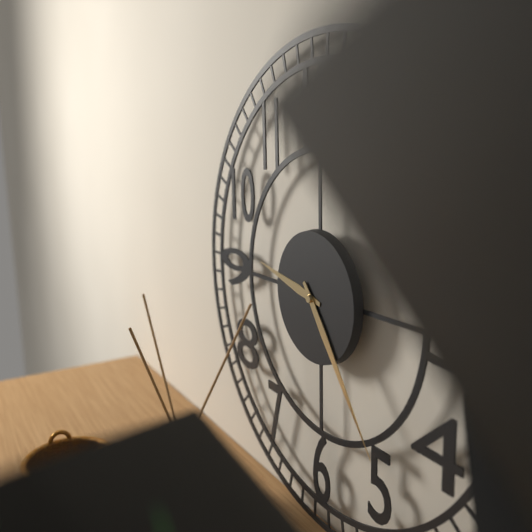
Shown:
9h24
